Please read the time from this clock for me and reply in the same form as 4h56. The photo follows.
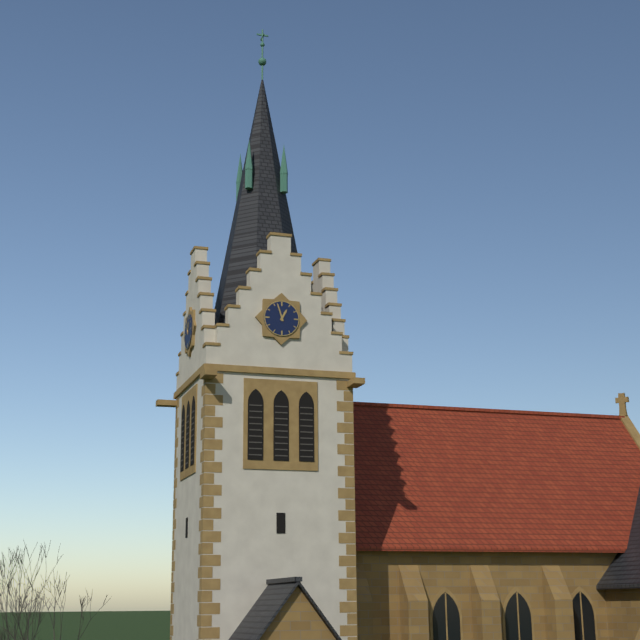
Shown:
12h57
